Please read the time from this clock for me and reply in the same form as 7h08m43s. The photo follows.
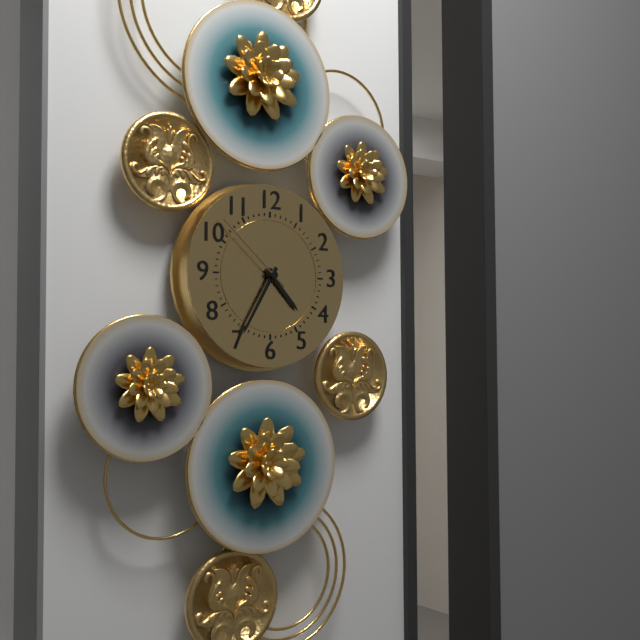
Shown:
4h35m52s
